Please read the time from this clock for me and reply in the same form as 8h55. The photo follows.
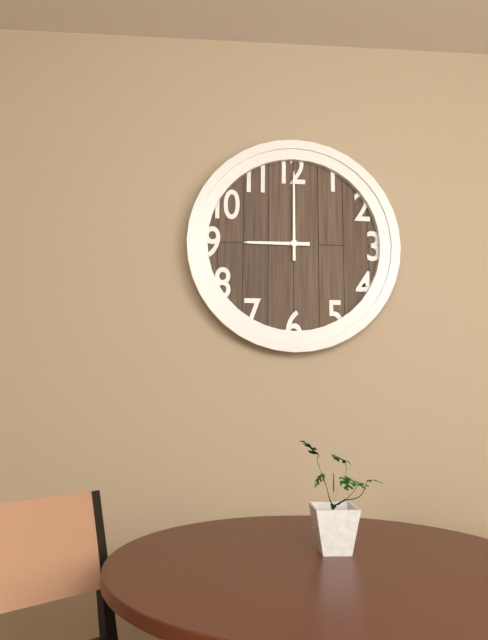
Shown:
9h00
